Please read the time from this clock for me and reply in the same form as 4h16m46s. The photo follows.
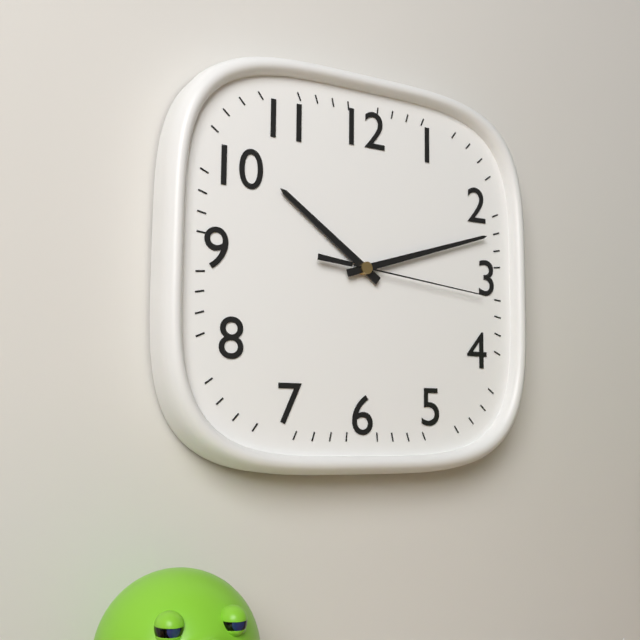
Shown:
10h12m16s
